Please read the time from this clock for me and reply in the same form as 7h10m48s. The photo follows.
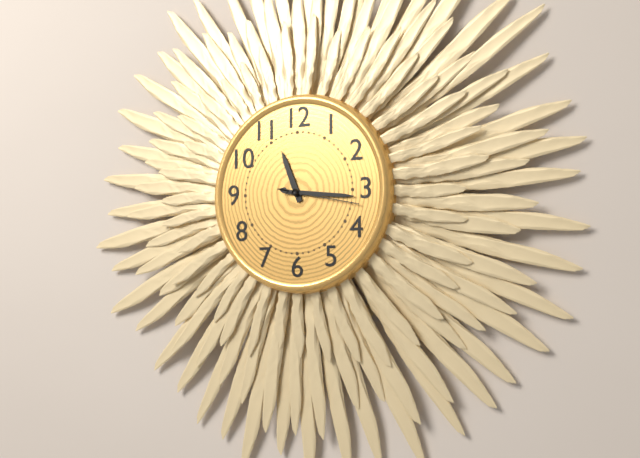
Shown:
11h16m17s
